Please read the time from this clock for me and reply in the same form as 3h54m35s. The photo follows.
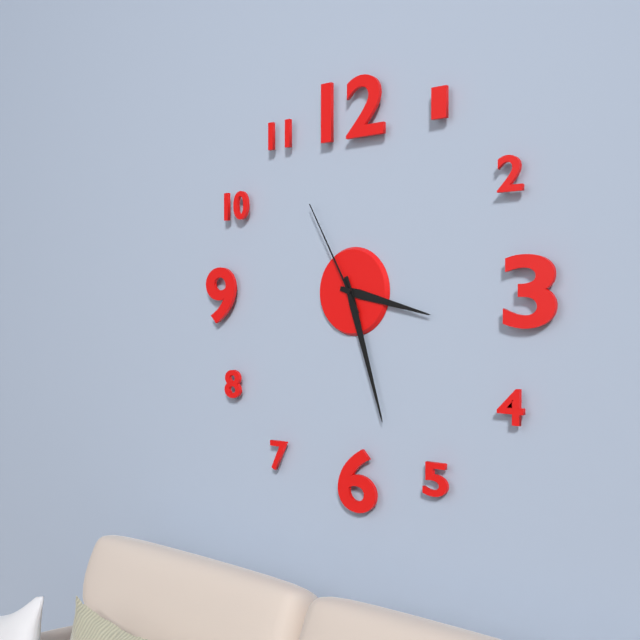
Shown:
3h27m55s
